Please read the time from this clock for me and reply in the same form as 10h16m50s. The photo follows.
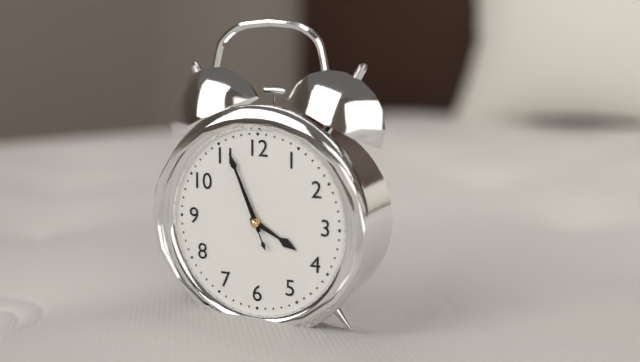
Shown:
3h56m56s
